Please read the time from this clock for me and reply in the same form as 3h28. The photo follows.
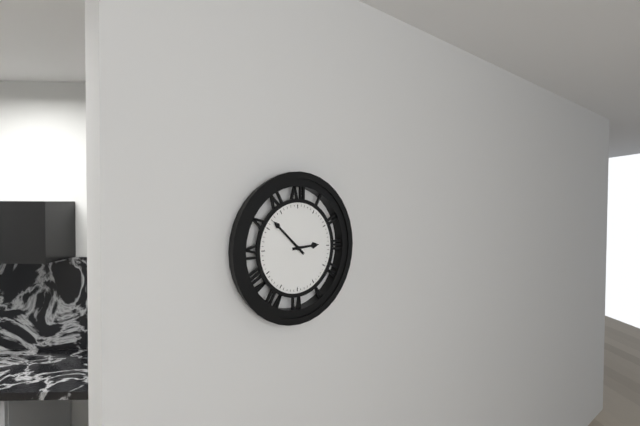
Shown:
2h52
